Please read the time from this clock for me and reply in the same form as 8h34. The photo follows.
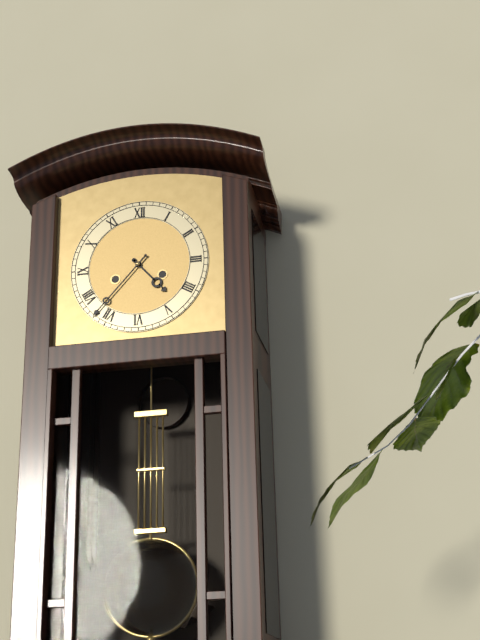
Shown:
4h37
